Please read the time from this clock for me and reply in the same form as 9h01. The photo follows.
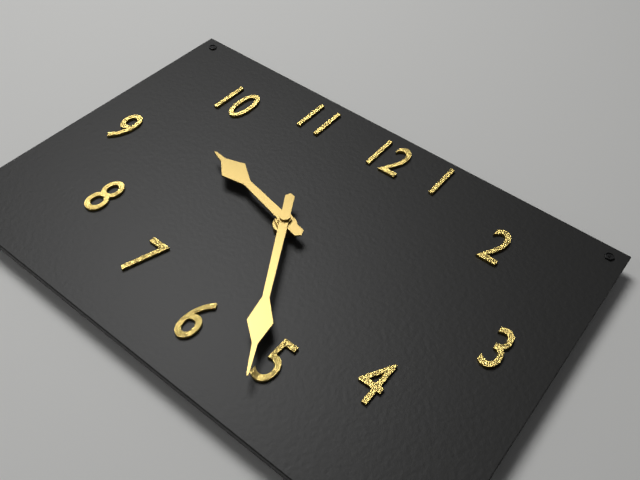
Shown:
9h25
